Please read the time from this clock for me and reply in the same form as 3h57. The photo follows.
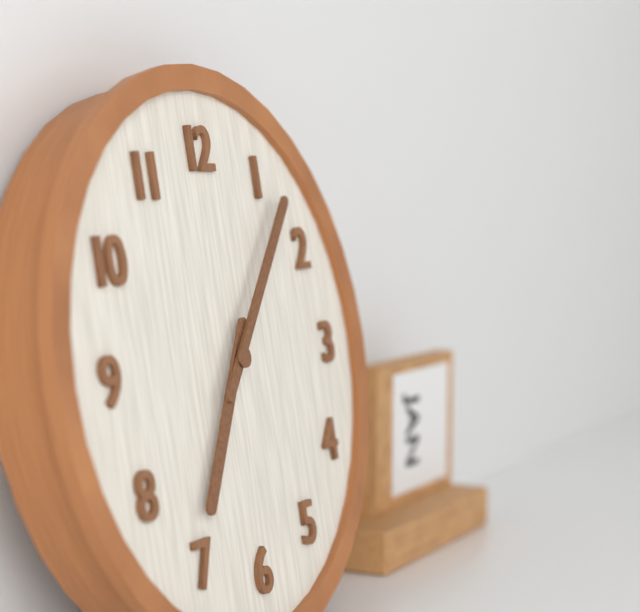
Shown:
7h07
